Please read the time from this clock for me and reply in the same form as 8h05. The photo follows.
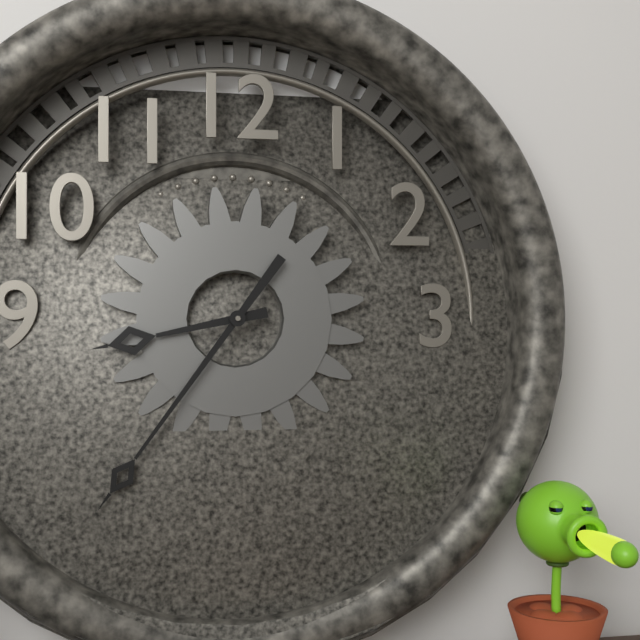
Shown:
8h36
